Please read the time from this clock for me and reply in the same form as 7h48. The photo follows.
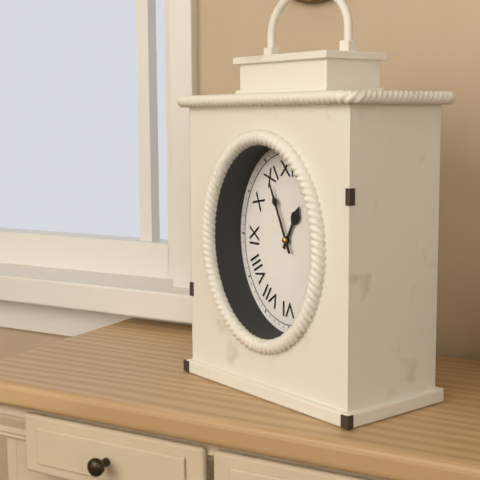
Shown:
12h56
